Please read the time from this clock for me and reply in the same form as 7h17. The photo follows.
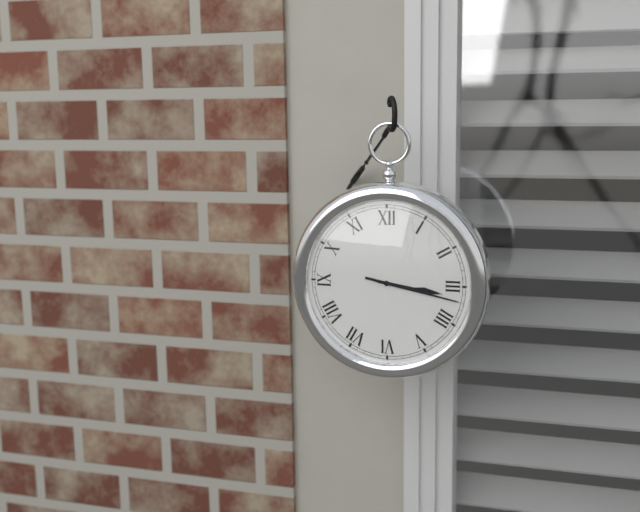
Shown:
3h17
